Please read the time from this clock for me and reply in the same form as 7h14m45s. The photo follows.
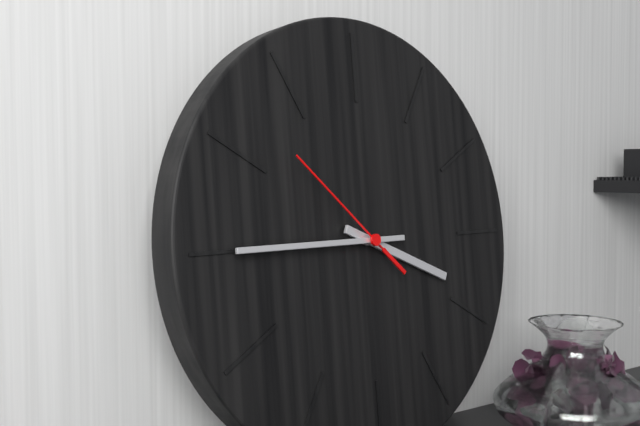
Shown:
3h45m52s
